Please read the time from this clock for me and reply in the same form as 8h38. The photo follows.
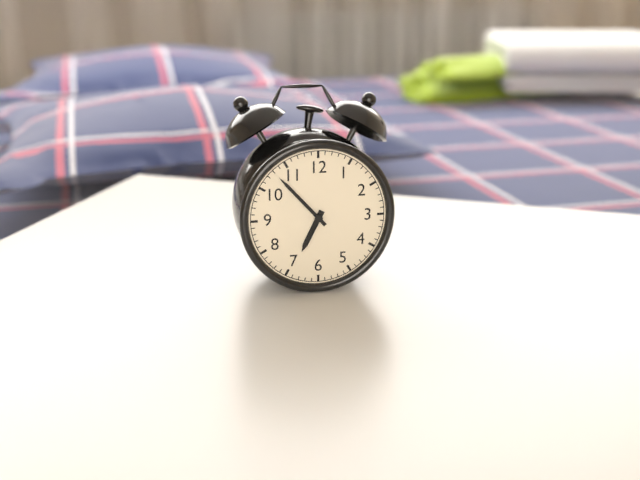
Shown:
6h53
